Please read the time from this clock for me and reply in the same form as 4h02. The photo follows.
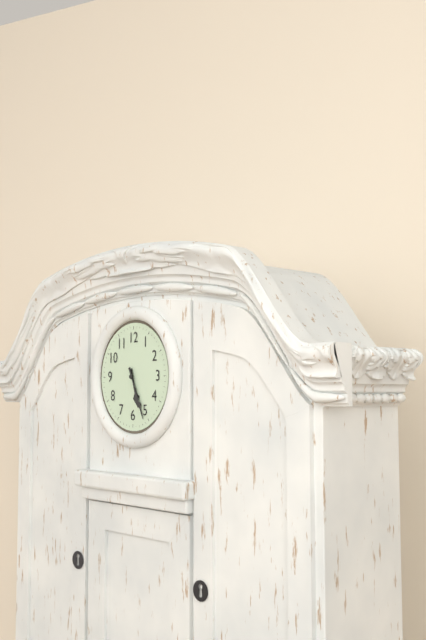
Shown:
5h26
